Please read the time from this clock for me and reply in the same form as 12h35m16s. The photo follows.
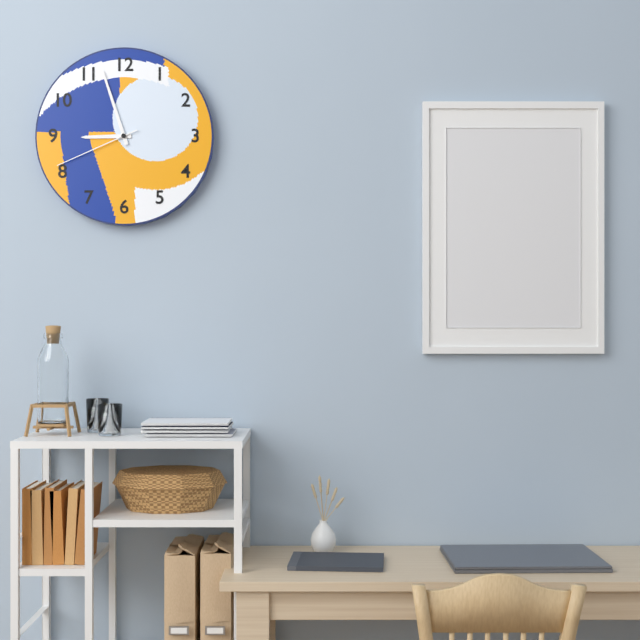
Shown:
8h57m41s
